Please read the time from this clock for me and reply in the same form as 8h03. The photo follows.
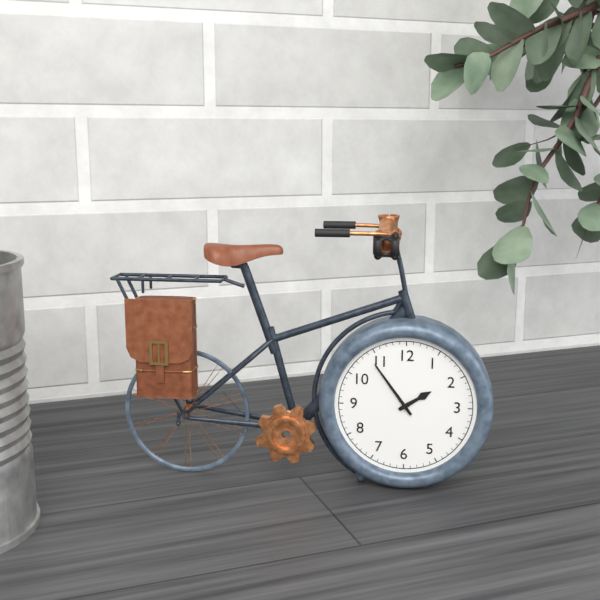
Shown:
1h54
